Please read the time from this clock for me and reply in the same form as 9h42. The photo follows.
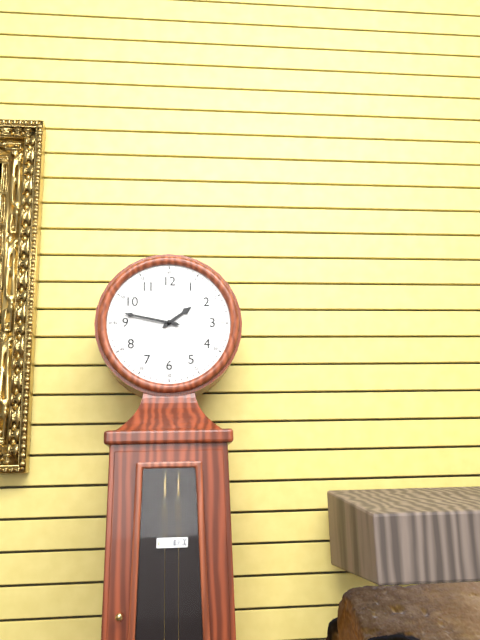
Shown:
1h47
